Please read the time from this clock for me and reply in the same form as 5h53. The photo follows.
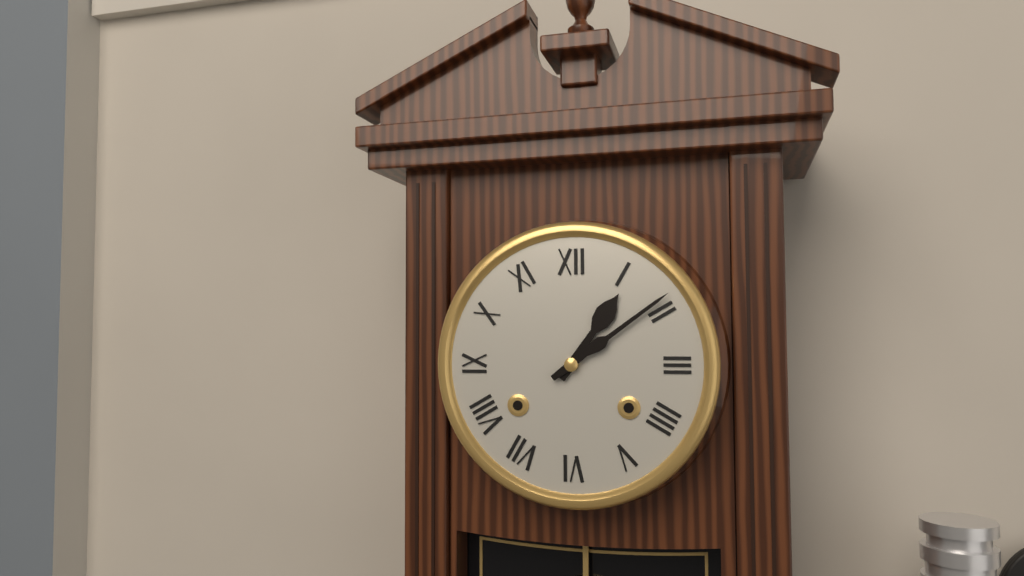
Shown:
1h09
